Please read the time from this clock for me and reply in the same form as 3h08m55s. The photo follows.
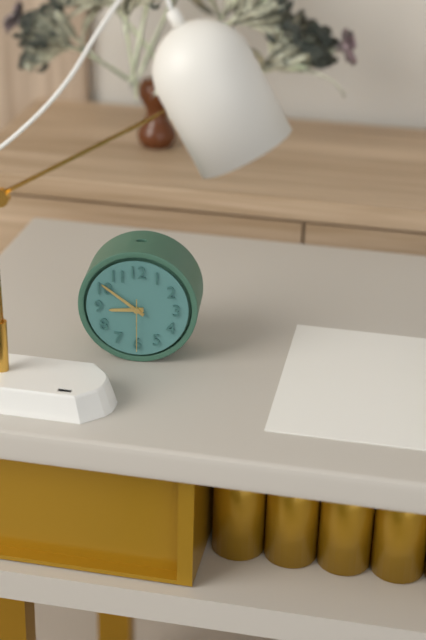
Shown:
8h51m30s
